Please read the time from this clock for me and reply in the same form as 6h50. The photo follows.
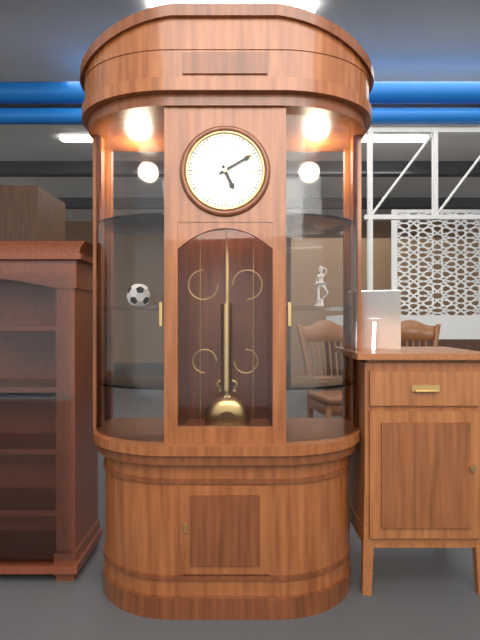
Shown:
5h10
